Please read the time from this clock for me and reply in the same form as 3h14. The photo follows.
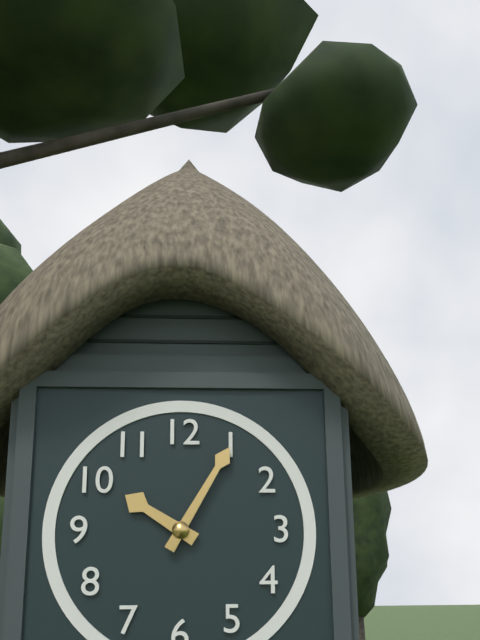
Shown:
10h05
